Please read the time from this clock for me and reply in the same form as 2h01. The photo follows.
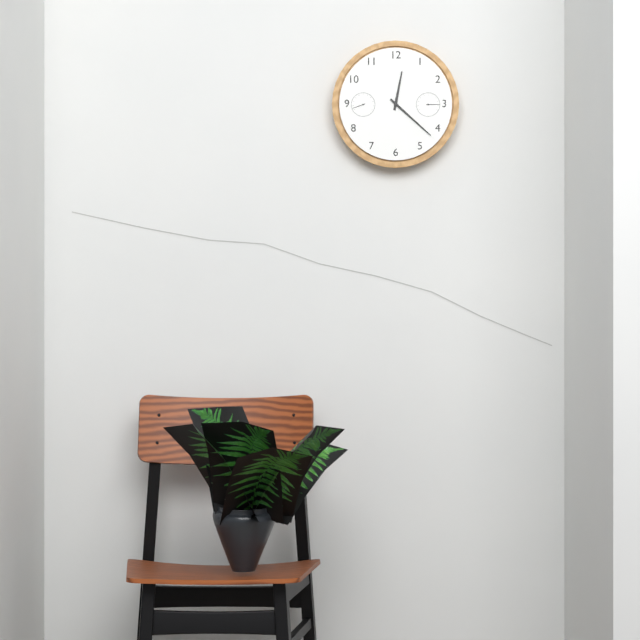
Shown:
12h22
